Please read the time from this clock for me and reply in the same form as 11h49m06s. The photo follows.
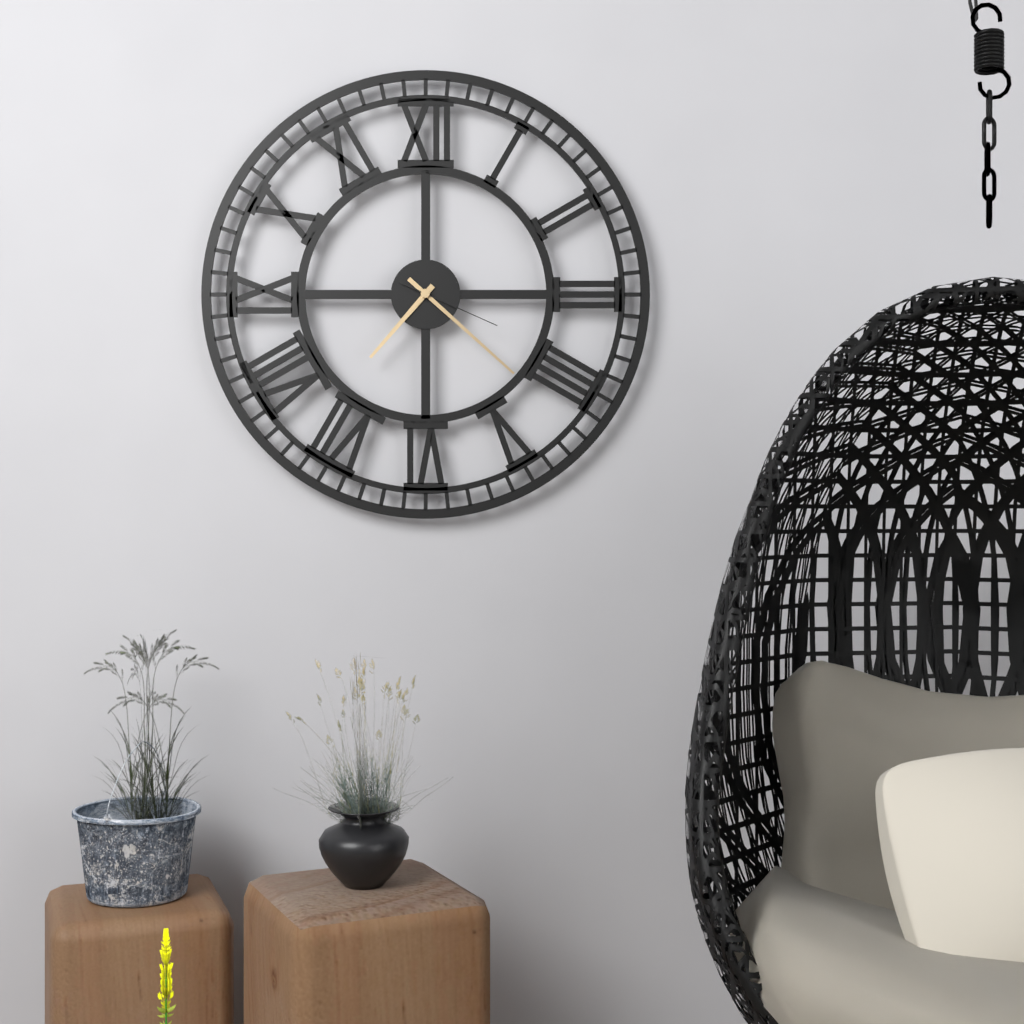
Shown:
7h22m19s
